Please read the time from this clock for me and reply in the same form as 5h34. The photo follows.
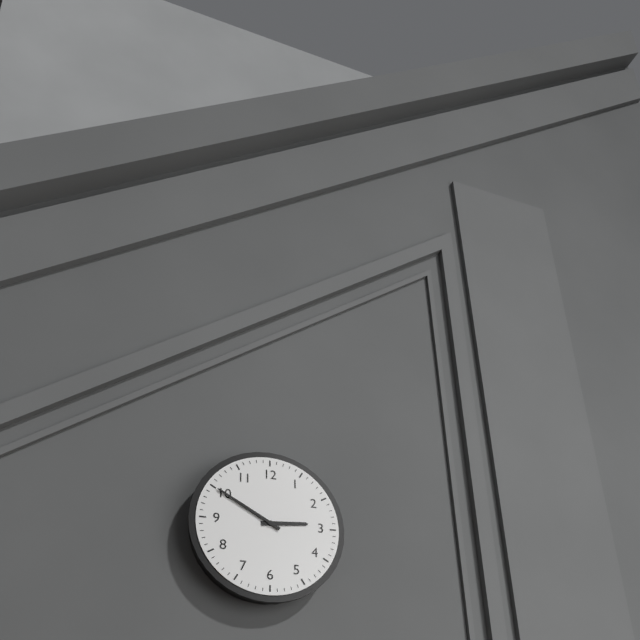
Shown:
2h50
